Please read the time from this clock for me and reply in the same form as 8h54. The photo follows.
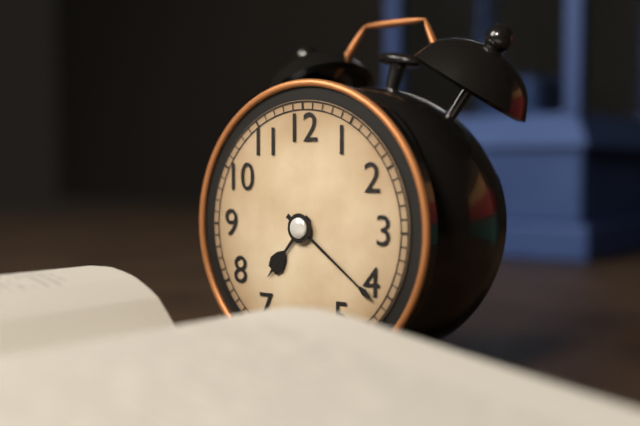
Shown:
7h21
